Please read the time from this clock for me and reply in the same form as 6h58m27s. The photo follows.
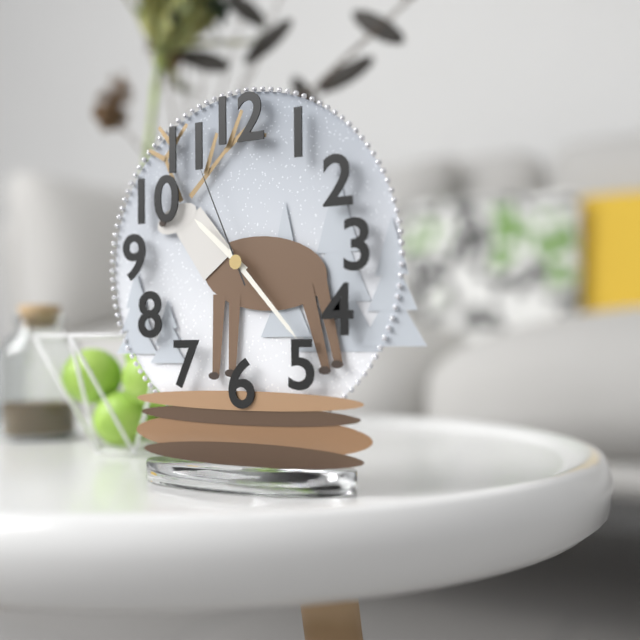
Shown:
10h23m56s
